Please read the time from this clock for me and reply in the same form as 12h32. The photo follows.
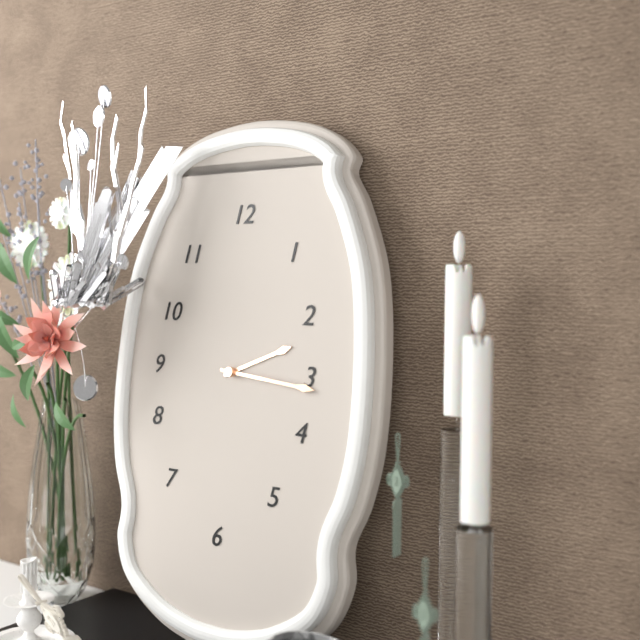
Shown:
2h16
